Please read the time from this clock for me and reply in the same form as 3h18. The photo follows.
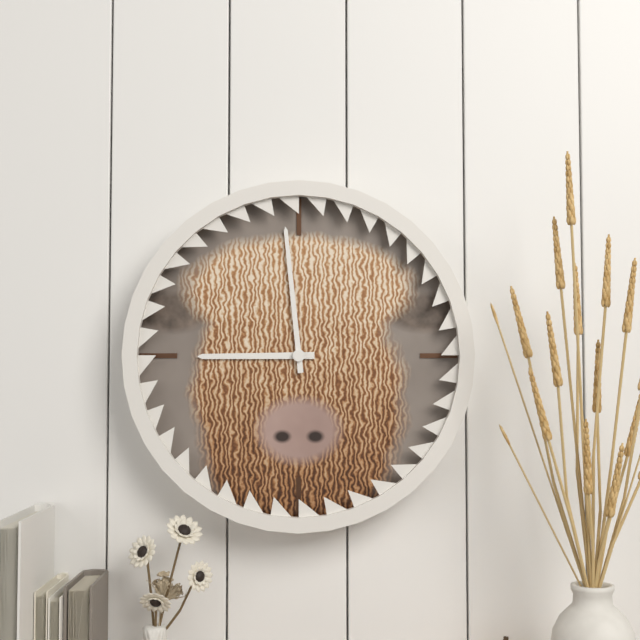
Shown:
8h59
